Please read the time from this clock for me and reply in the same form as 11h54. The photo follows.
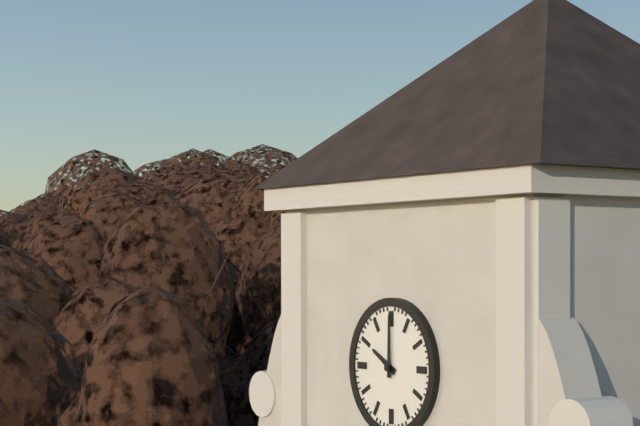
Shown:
10h00
